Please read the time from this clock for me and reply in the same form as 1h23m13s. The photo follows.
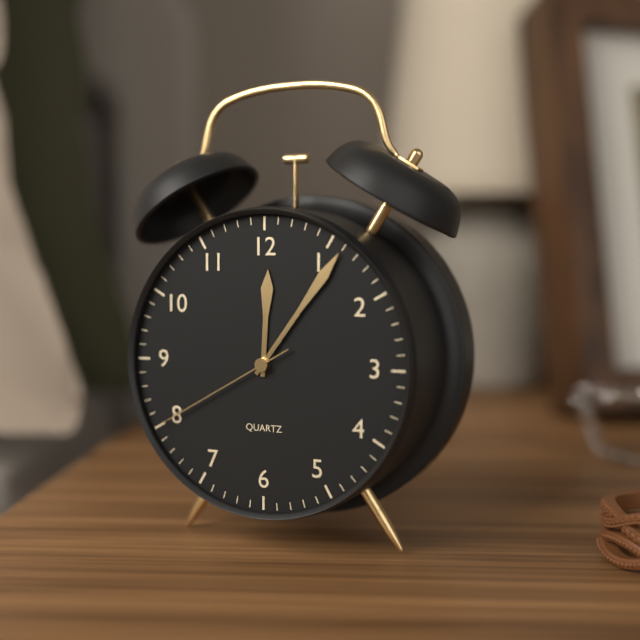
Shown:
12h06m40s
